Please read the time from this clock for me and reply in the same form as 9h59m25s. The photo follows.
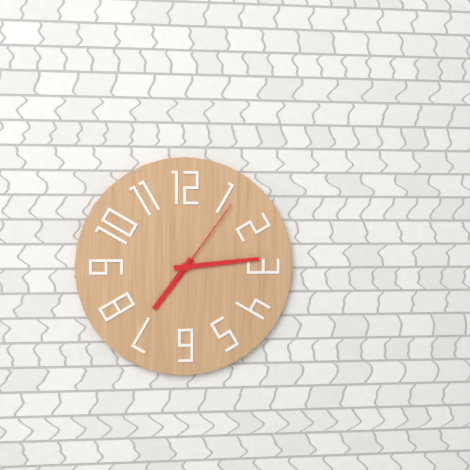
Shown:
7h14m06s
